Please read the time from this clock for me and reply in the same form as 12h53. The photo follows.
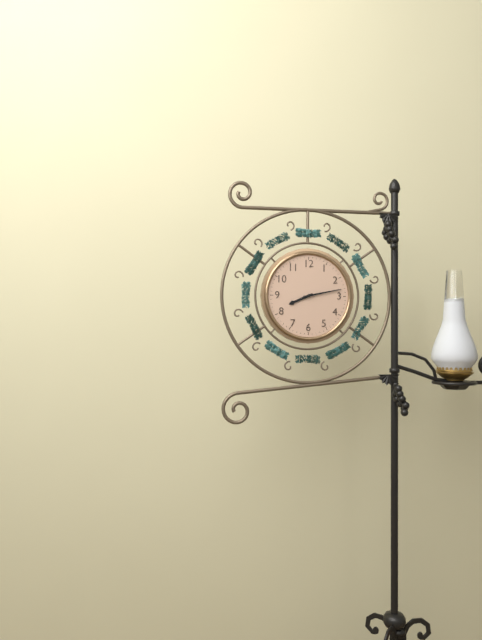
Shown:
8h13
